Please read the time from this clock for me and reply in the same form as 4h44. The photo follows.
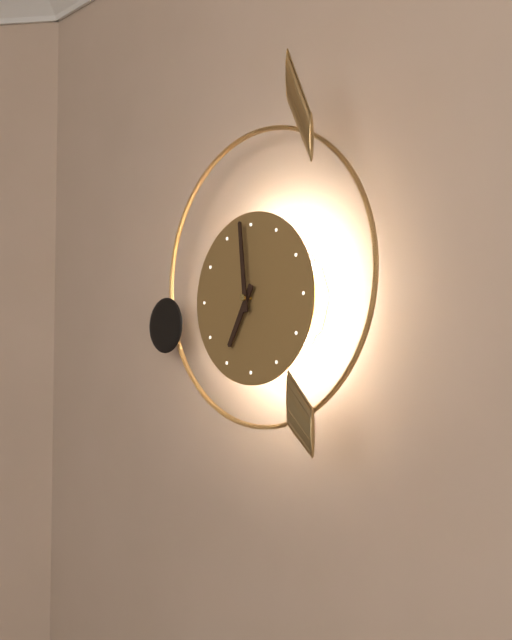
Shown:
6h59
